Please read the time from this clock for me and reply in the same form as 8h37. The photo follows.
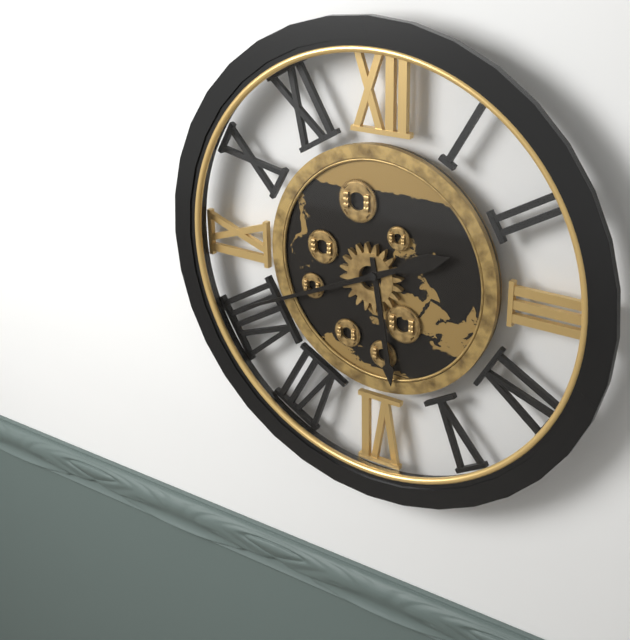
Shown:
5h41
